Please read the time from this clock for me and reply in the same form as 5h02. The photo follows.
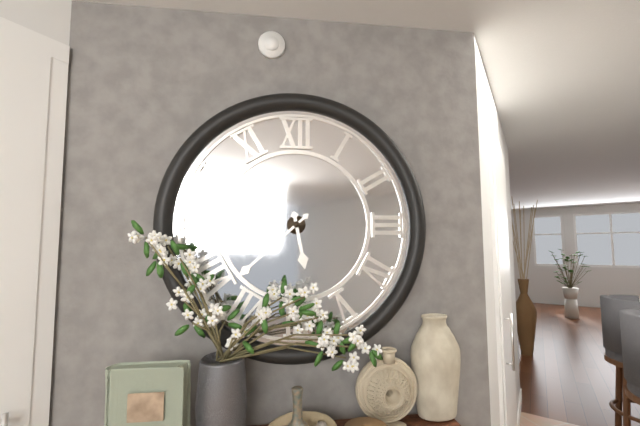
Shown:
5h38
